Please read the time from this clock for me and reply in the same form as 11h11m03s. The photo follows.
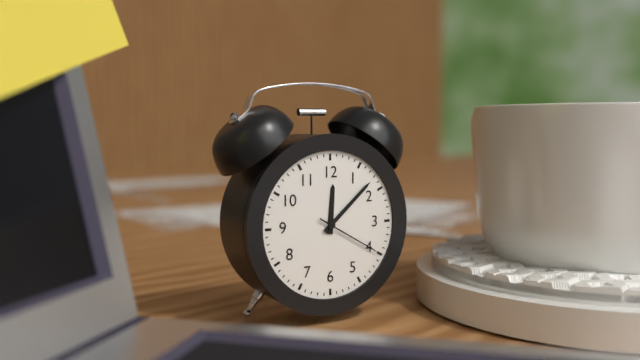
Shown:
12h08m20s
